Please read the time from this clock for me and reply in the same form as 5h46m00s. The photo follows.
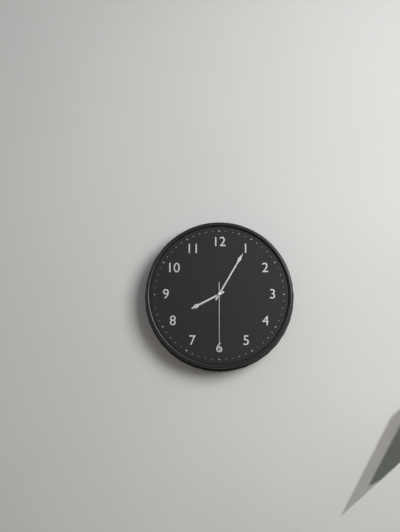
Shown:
8h05m30s
